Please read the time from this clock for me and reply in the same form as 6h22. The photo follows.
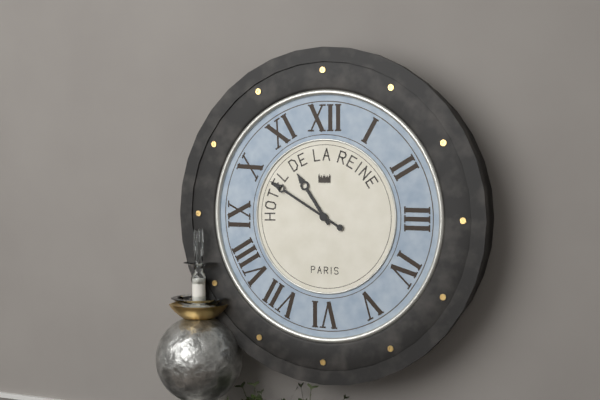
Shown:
10h50
